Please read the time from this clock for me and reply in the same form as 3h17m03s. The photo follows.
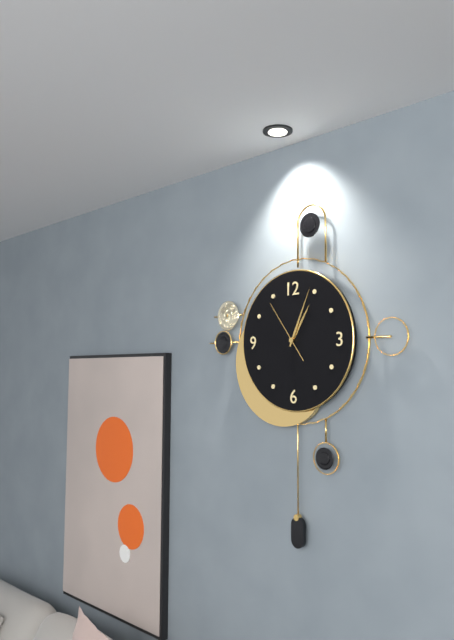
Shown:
1h04m54s
